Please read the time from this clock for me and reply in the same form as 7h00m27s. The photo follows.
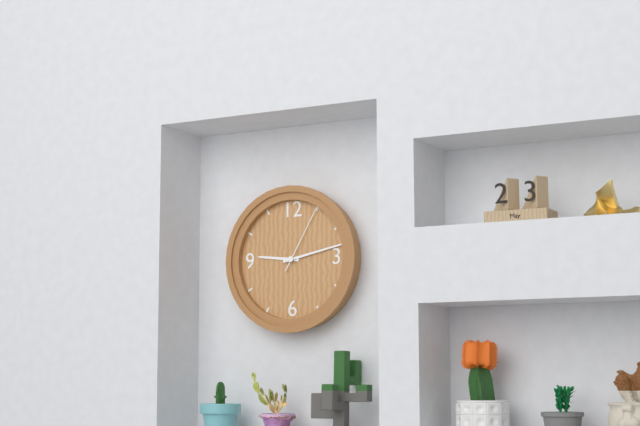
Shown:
9h13m05s
